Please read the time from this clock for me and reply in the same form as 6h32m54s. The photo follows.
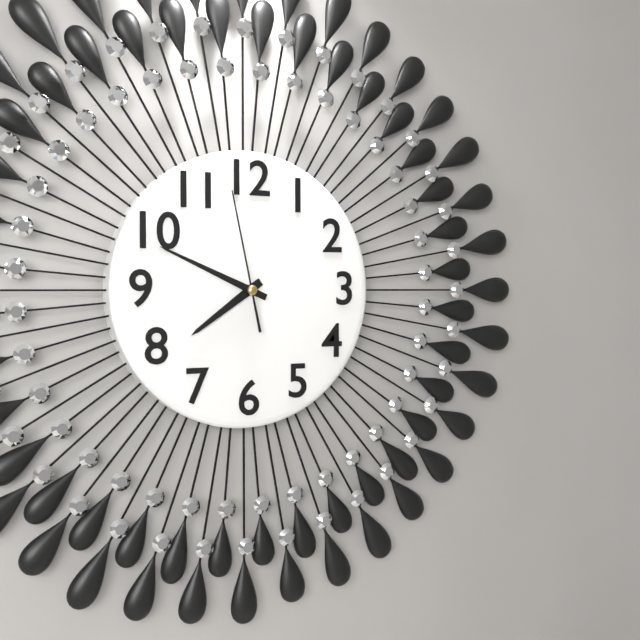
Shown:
7h49m58s
